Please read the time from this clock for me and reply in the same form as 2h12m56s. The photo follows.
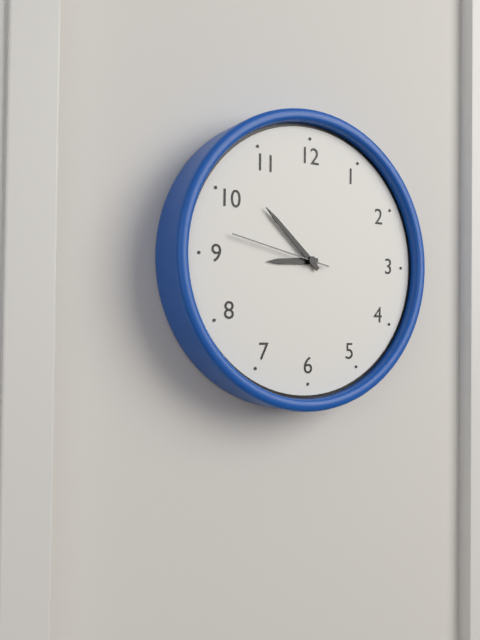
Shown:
8h52m47s
